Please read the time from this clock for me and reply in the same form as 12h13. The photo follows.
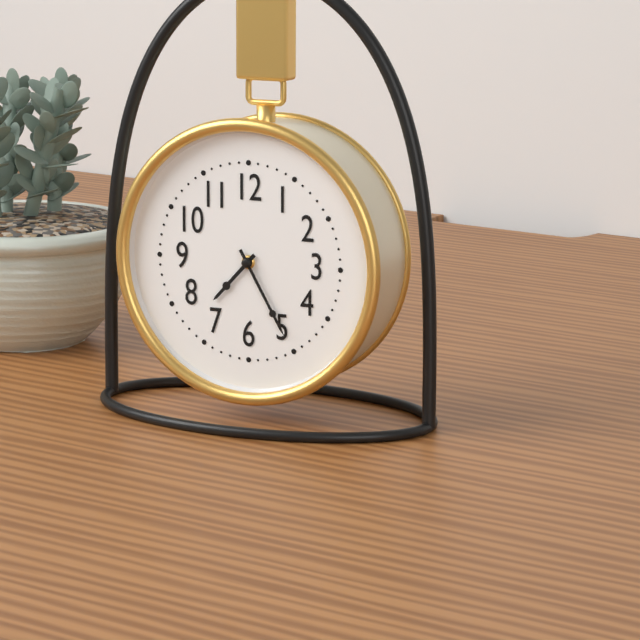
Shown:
7h25
